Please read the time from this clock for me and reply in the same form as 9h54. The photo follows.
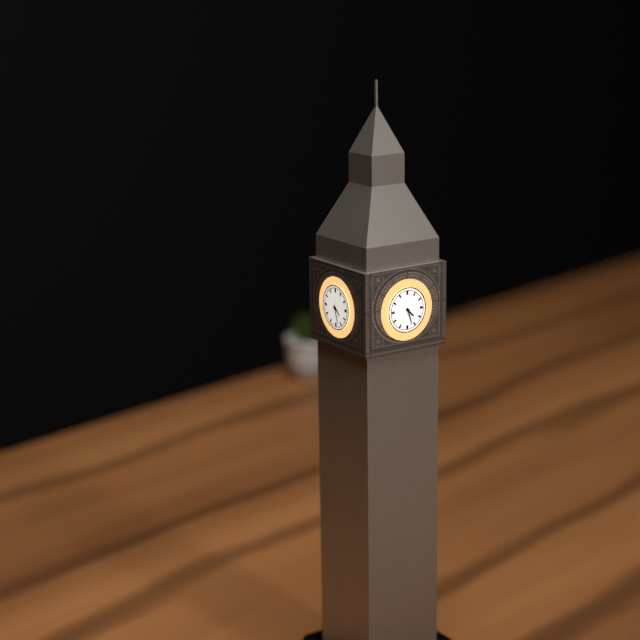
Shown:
4h27
